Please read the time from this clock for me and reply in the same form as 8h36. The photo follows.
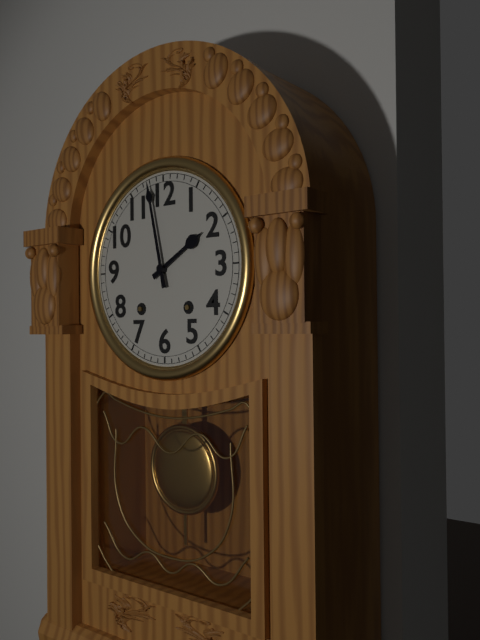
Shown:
1h58
